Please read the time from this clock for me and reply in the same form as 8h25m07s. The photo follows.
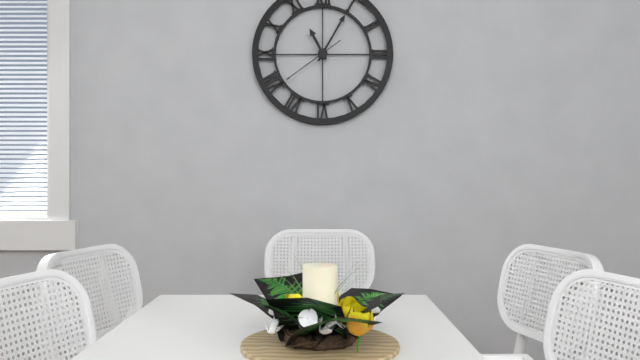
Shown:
11h05m39s
